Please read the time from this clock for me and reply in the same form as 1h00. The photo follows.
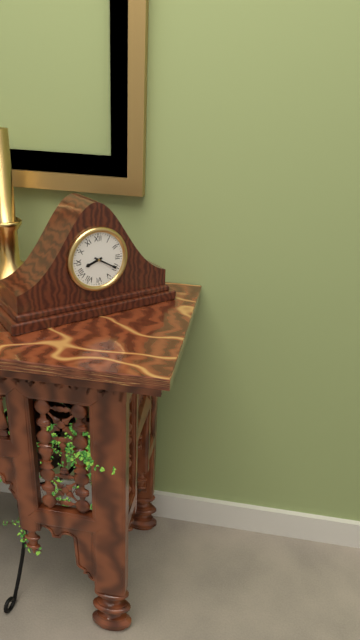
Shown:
8h20
